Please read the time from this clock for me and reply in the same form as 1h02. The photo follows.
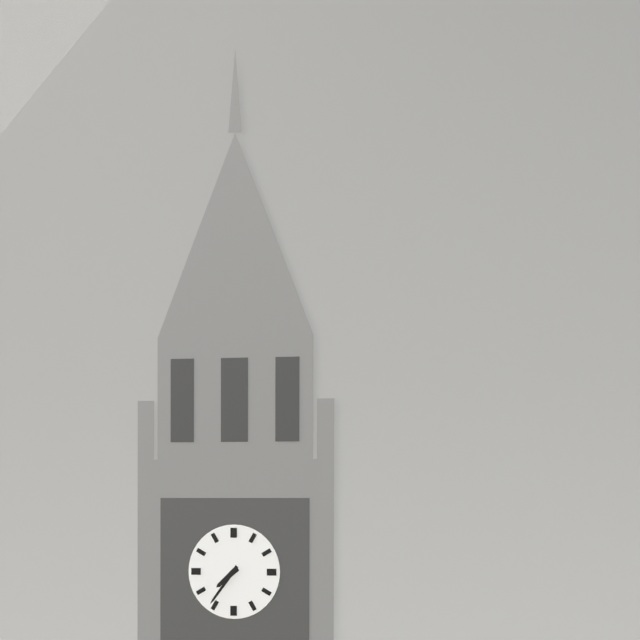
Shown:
7h36
